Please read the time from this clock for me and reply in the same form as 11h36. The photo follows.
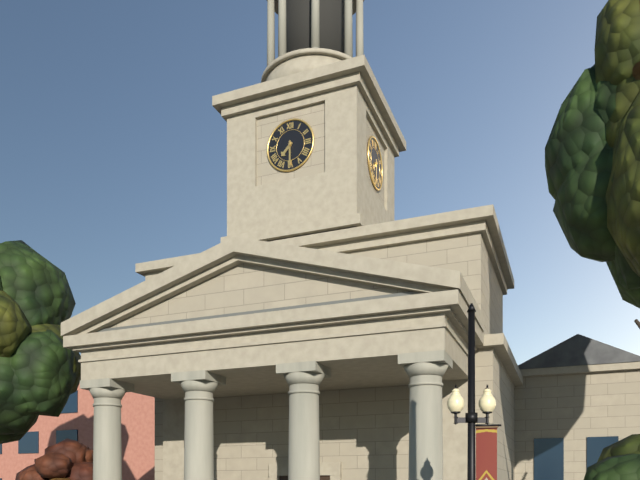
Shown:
7h30
